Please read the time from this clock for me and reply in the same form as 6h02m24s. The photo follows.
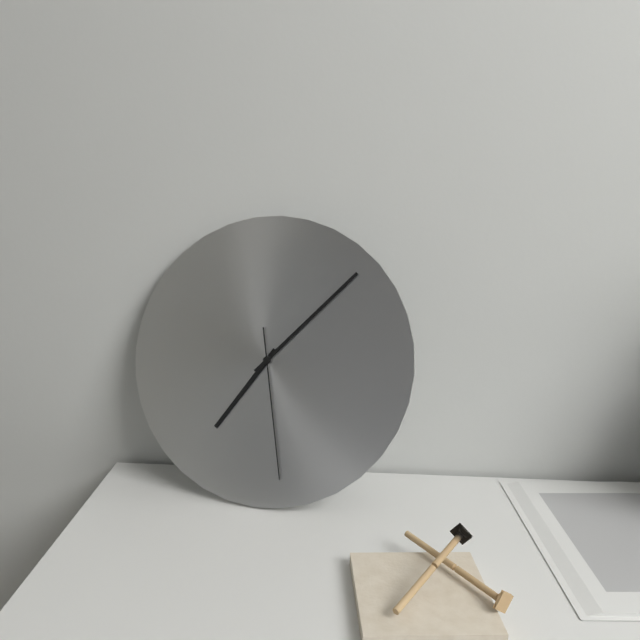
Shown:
7h07m28s
